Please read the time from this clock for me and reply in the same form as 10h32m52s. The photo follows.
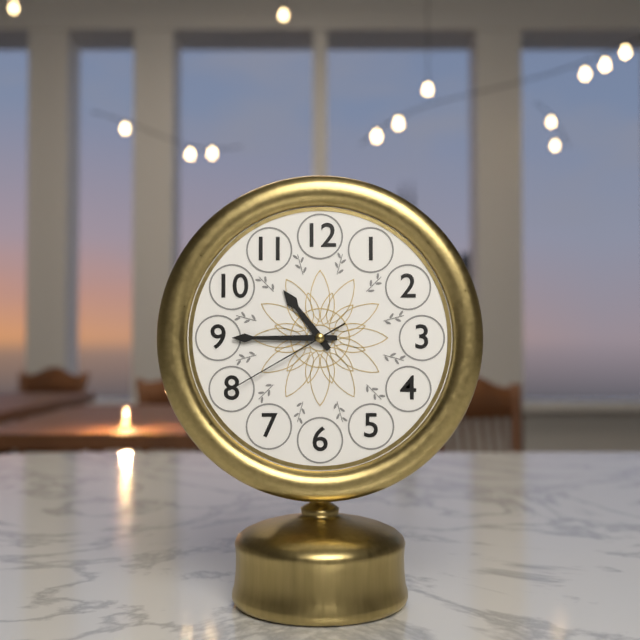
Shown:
10h45m40s
